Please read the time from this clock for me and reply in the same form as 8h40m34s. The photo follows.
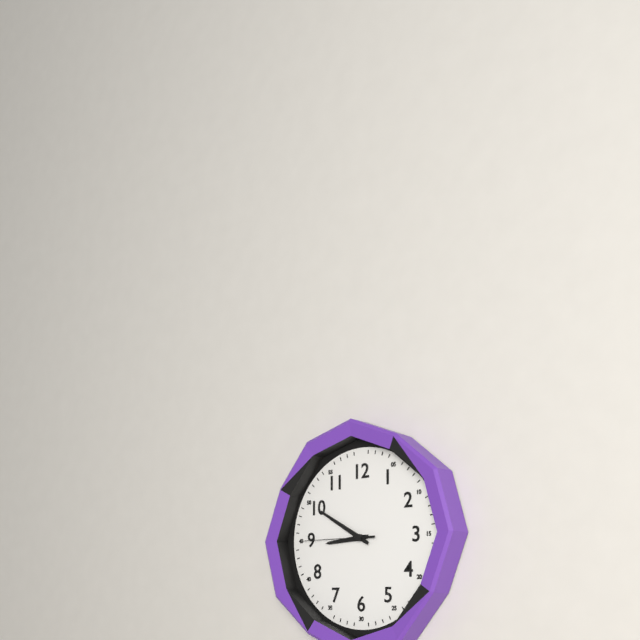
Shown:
8h50m45s
